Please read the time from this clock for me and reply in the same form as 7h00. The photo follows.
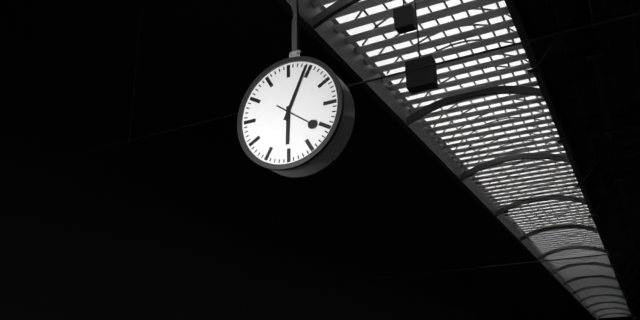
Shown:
6h04
